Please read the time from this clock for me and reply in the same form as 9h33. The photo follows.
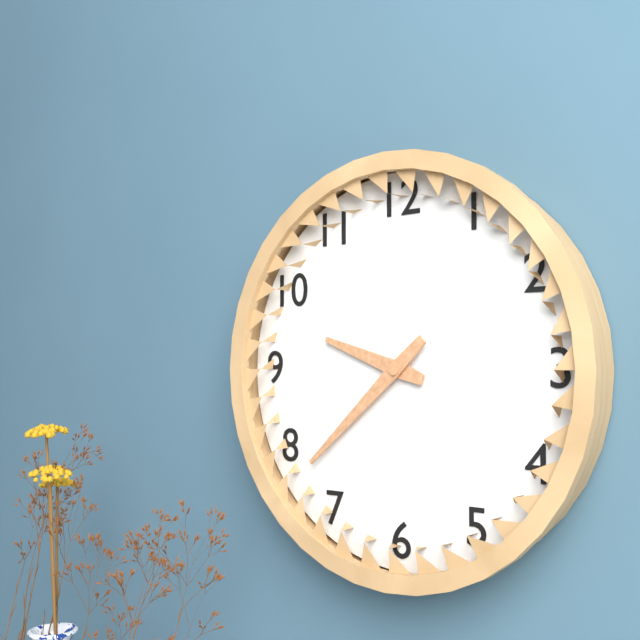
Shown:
9h38
